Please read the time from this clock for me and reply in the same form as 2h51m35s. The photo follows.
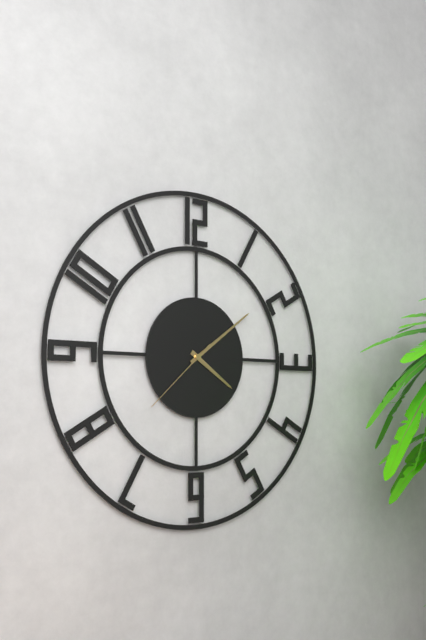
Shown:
4h09m38s
